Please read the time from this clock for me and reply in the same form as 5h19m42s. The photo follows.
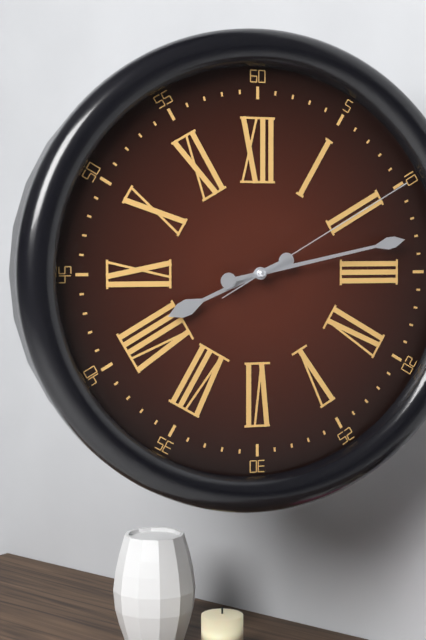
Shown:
8h13m10s
